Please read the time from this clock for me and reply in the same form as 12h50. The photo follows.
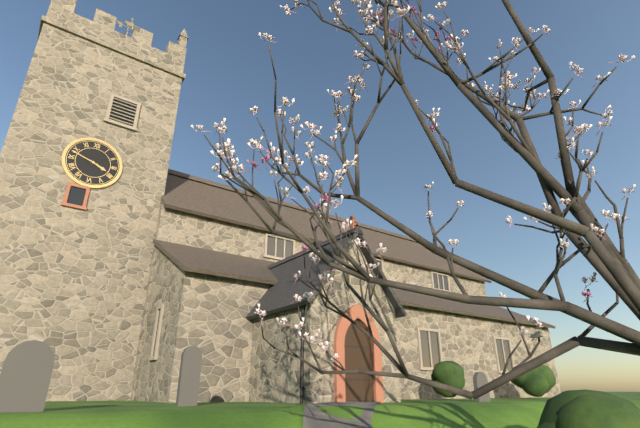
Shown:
3h48
